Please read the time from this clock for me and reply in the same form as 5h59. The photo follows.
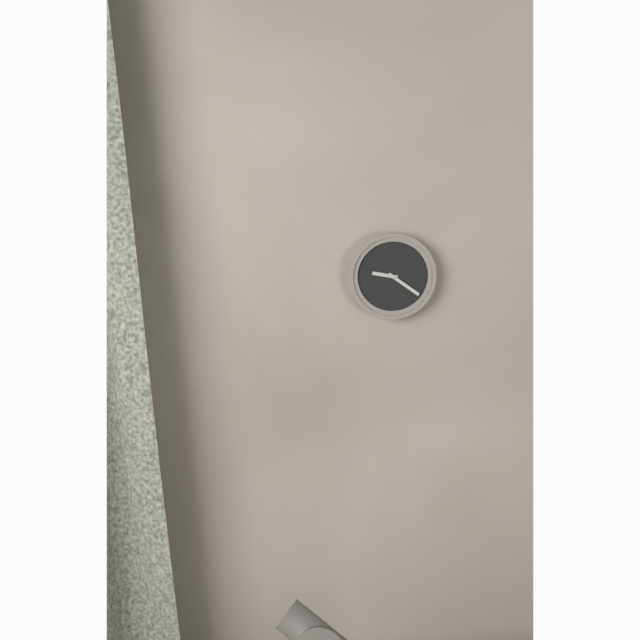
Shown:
9h21
